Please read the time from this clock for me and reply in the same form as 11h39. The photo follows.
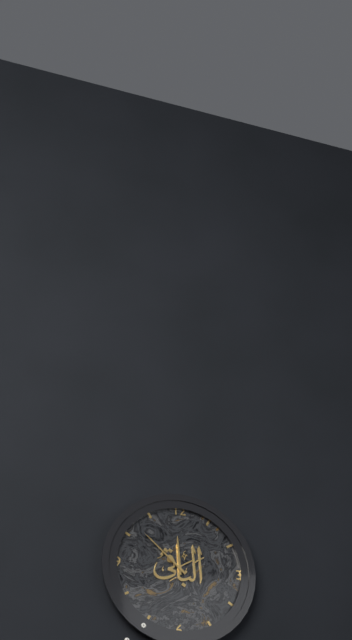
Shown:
11h52
